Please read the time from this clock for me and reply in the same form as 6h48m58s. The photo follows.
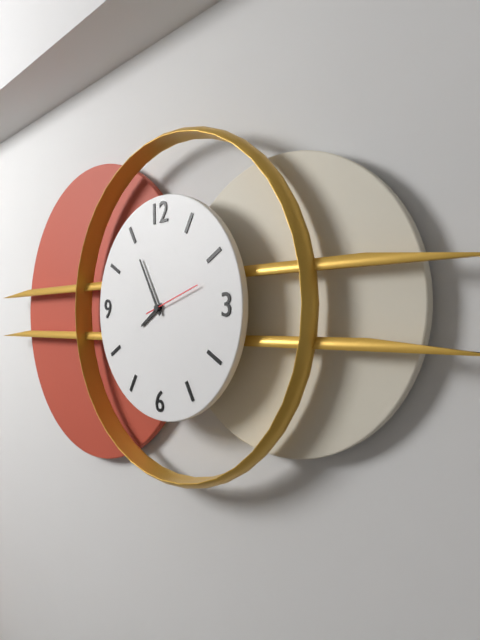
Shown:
7h55m12s
